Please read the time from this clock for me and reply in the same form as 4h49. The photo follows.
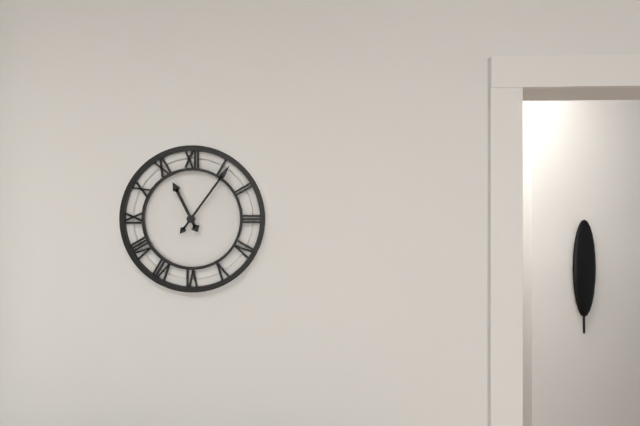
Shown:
11h06
